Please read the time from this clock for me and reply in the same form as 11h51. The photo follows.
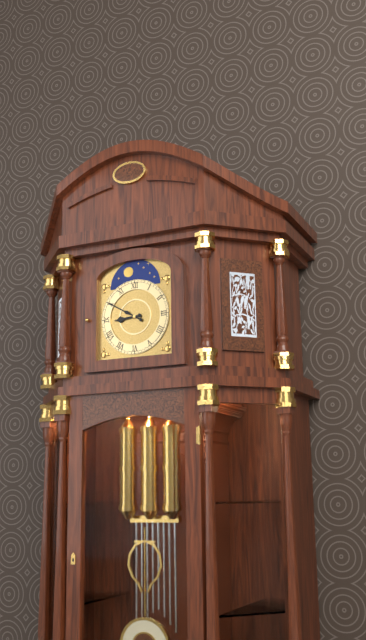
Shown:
8h50
